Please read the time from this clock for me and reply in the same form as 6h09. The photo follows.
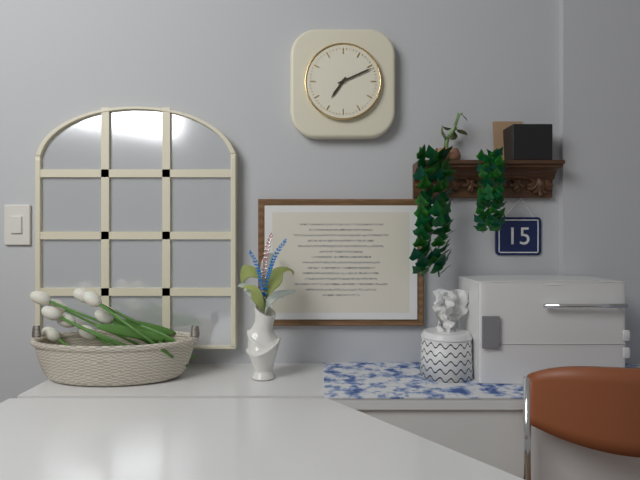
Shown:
7h11
